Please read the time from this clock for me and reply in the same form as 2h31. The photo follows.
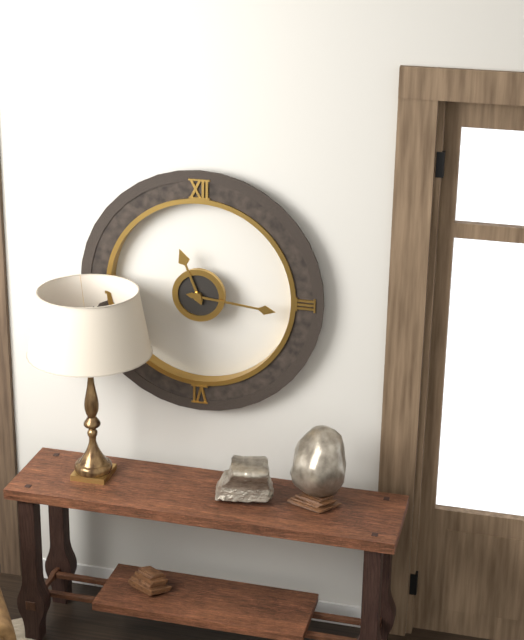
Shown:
11h16
